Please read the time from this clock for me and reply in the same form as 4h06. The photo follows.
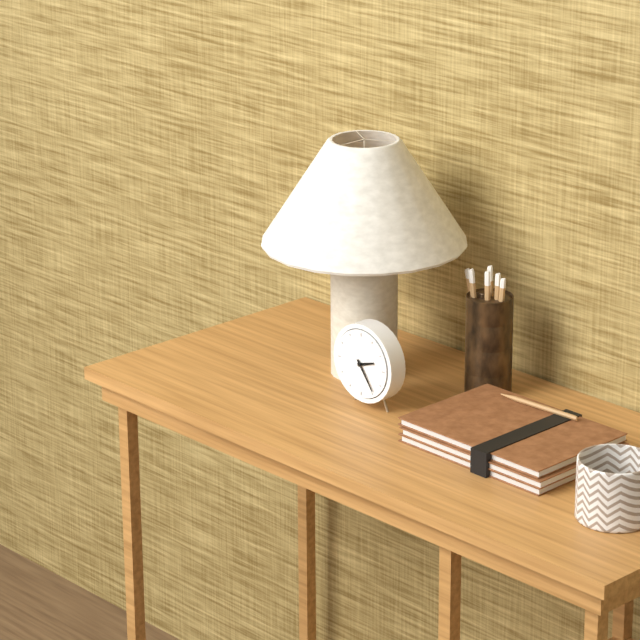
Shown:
2h24
